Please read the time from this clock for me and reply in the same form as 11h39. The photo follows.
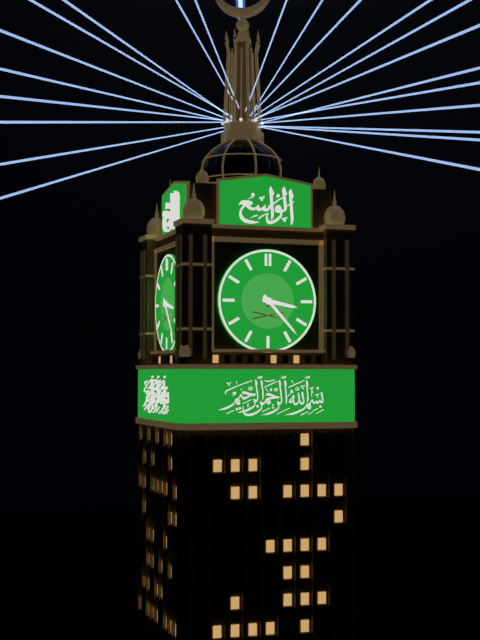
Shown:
3h23
